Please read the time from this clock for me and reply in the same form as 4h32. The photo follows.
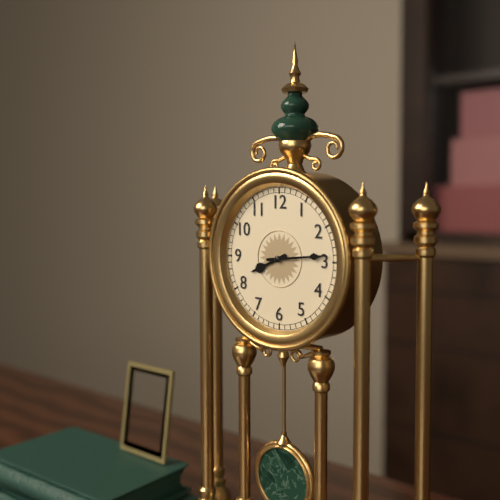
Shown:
8h14
